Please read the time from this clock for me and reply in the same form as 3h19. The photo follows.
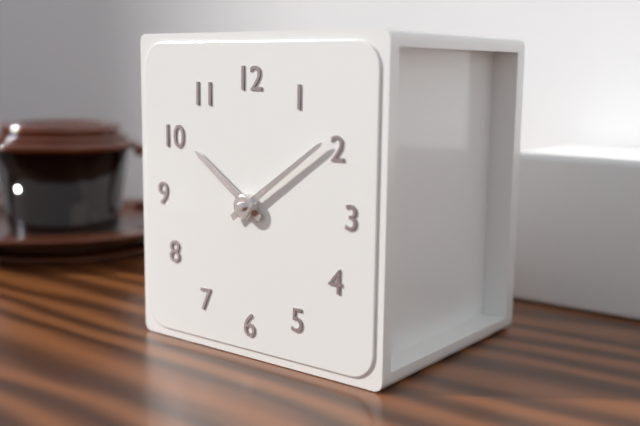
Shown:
10h09
